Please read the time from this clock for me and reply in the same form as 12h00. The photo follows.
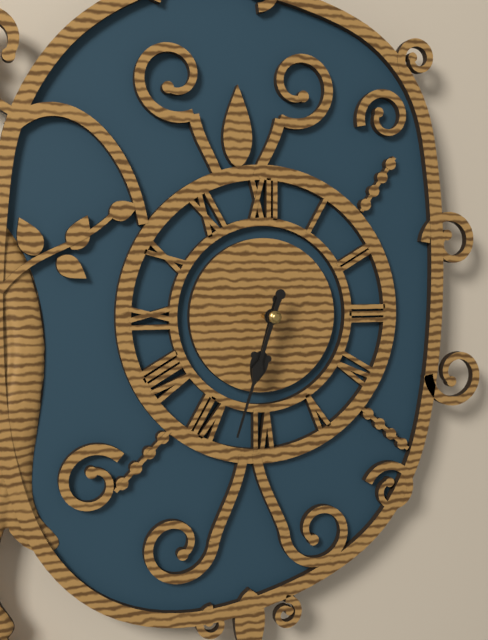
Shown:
6h33
